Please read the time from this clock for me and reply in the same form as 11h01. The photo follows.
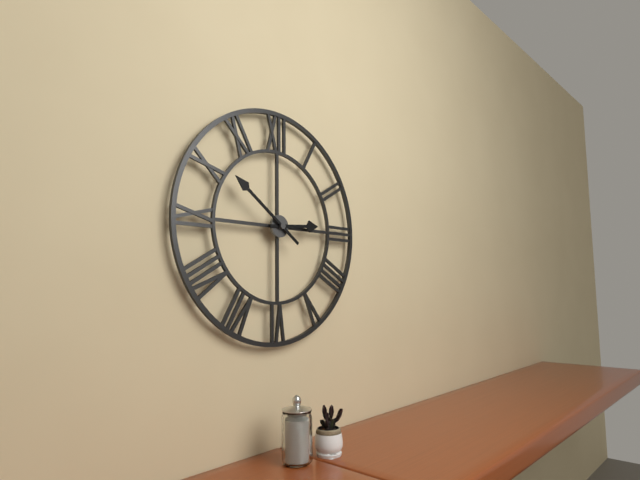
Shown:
2h51
